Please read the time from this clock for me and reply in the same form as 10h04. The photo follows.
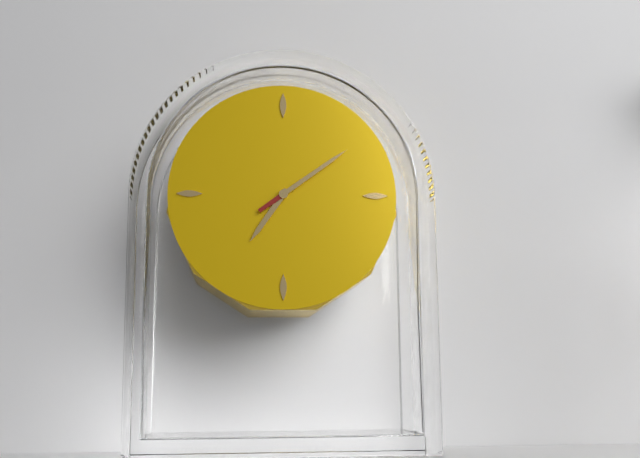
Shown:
7h09
